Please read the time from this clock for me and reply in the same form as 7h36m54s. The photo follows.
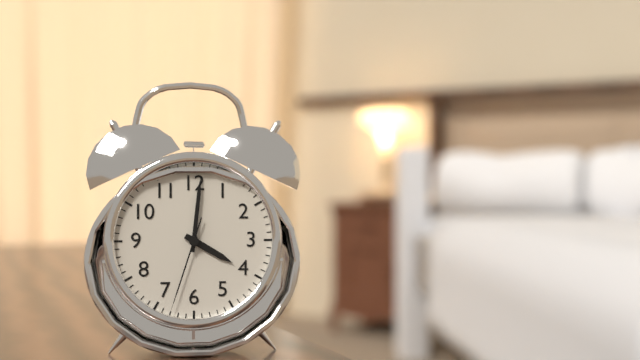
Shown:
4h01m33s
